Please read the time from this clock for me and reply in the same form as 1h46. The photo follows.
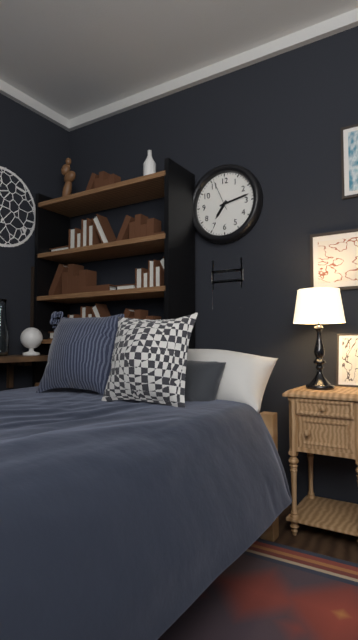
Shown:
7h13
